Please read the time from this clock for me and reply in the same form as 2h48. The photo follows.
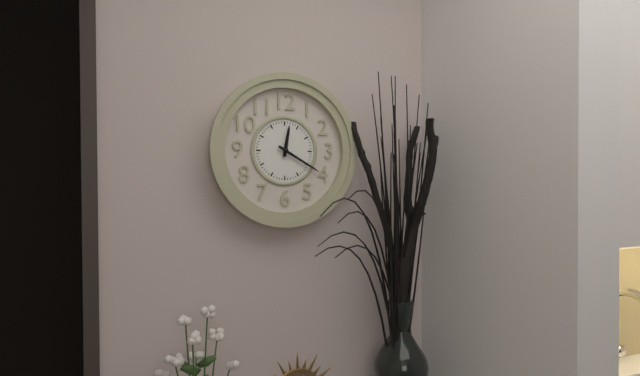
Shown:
12h20
